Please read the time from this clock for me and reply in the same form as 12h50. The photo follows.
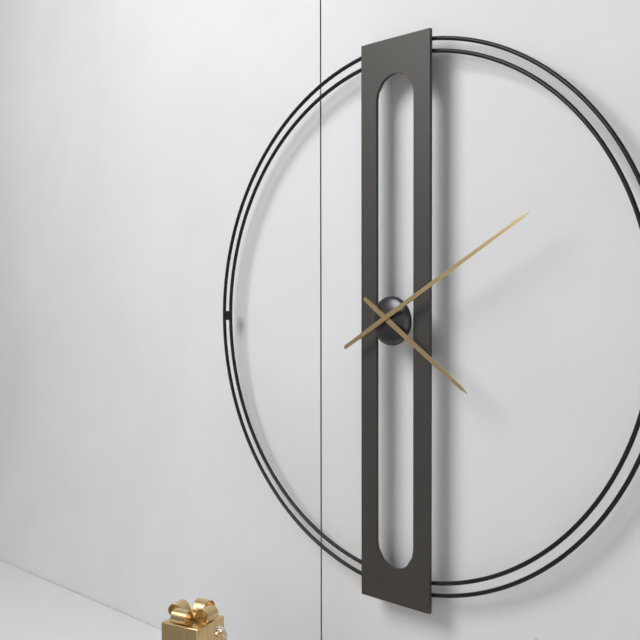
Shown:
4h10
